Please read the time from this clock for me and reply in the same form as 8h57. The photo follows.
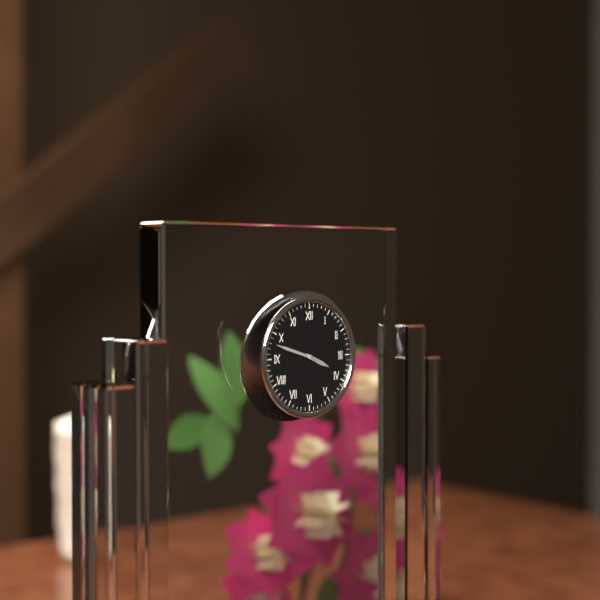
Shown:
3h48
